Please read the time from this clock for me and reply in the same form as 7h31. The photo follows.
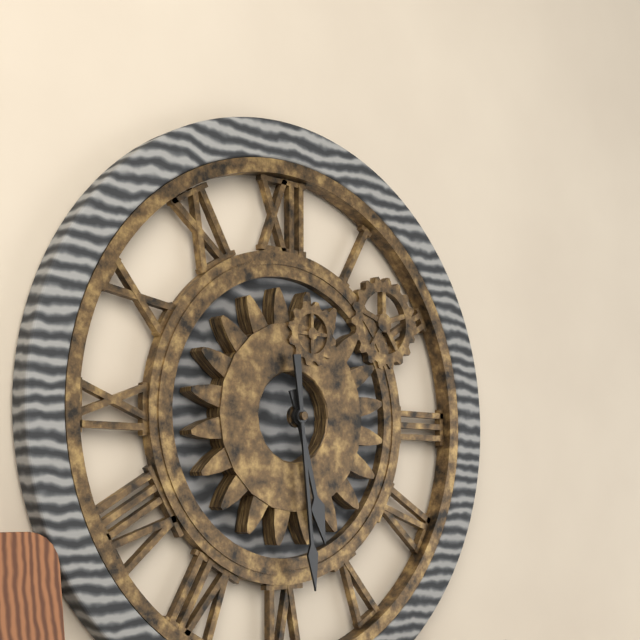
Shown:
5h29
